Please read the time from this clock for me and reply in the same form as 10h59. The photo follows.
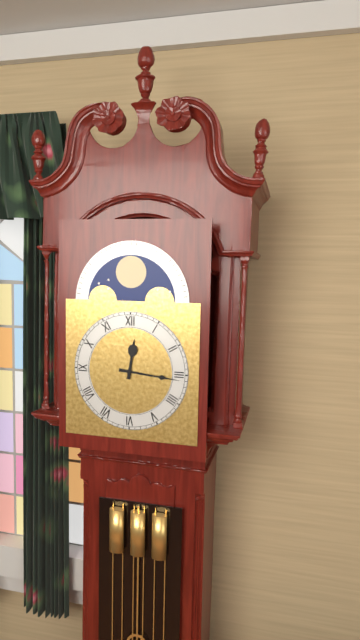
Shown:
12h16
